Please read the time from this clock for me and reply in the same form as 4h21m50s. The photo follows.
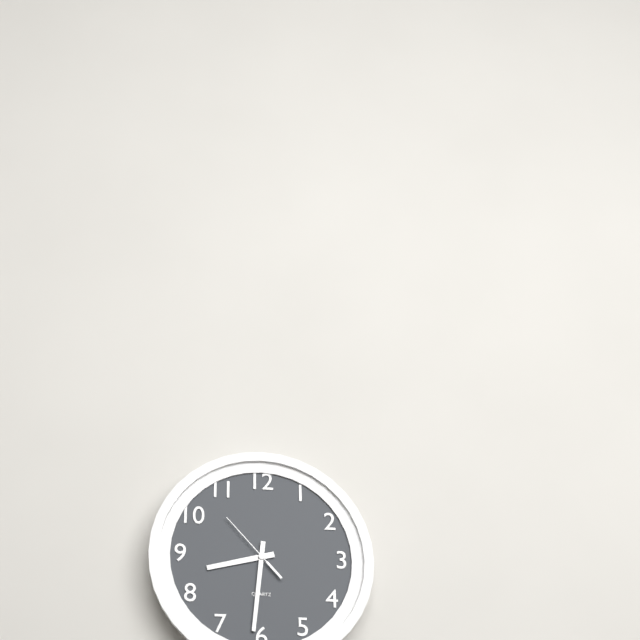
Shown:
8h31m53s
